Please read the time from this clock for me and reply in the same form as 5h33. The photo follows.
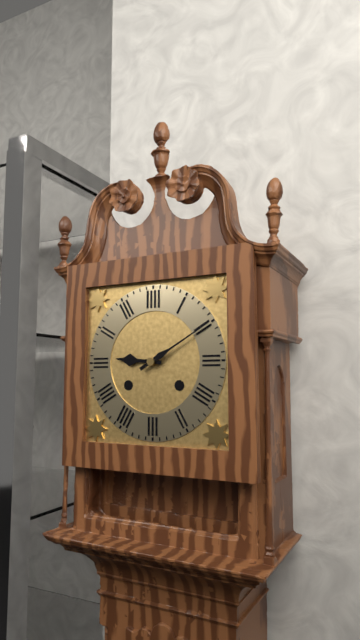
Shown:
9h10
